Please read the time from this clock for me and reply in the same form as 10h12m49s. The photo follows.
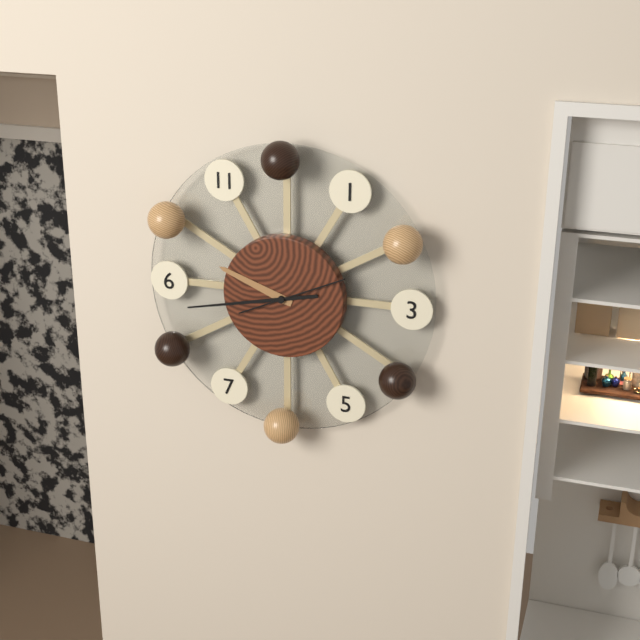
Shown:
9h43m11s
